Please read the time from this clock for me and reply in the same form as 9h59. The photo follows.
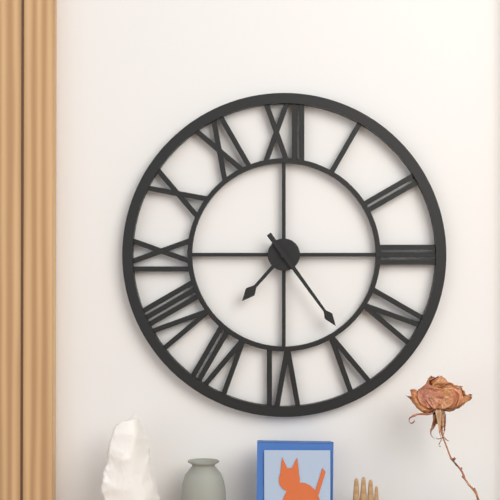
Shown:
7h24
